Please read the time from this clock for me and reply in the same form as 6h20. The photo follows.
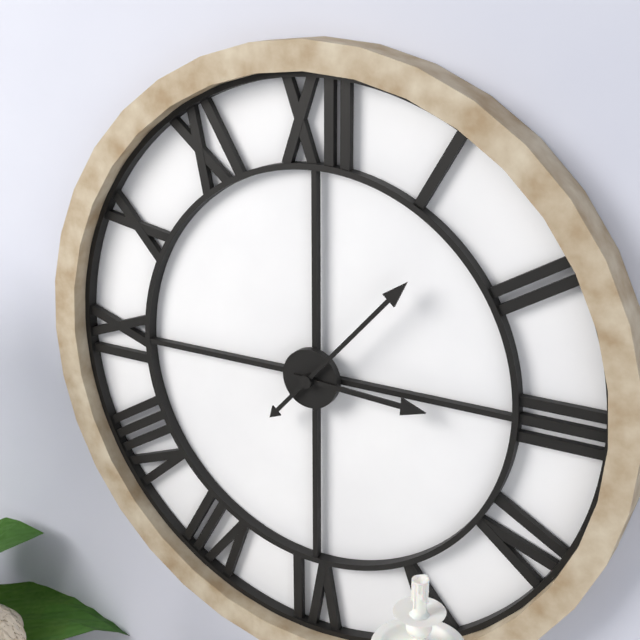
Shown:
3h07
